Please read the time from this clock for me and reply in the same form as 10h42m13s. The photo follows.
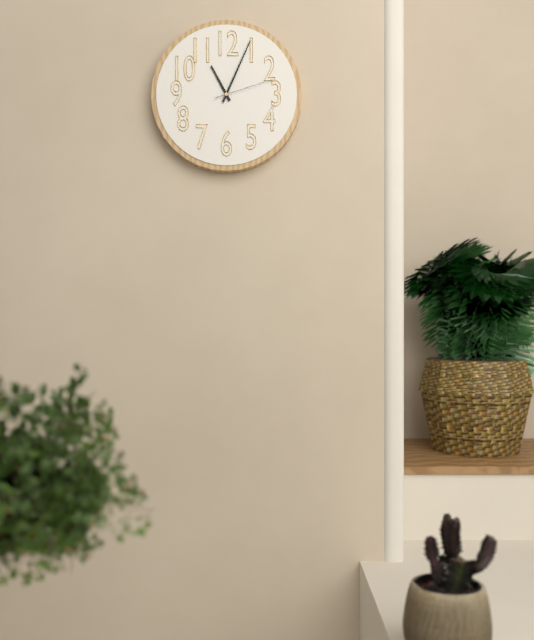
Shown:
11h04m12s
